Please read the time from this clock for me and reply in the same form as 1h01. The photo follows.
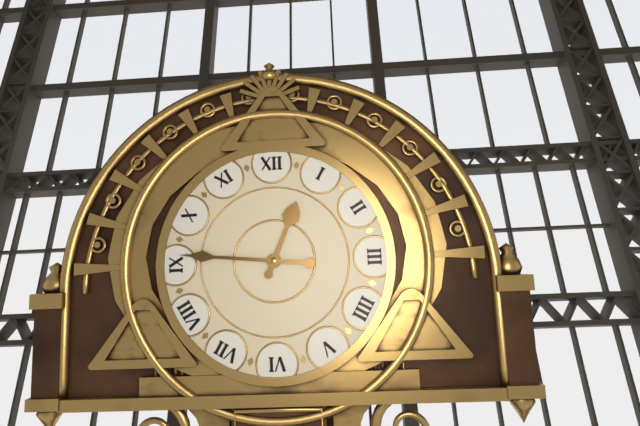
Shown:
12h46
